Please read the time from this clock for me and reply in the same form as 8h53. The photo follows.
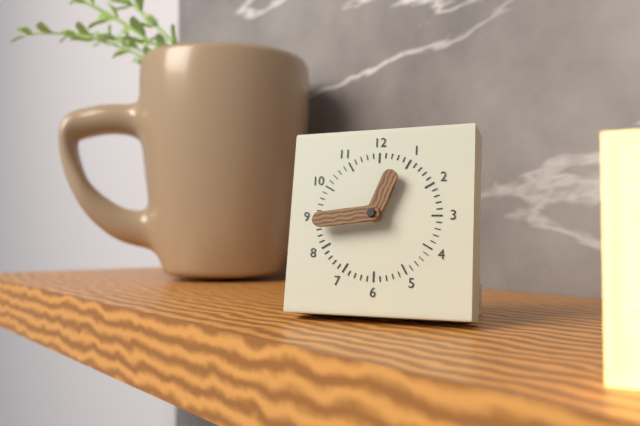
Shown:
12h44
